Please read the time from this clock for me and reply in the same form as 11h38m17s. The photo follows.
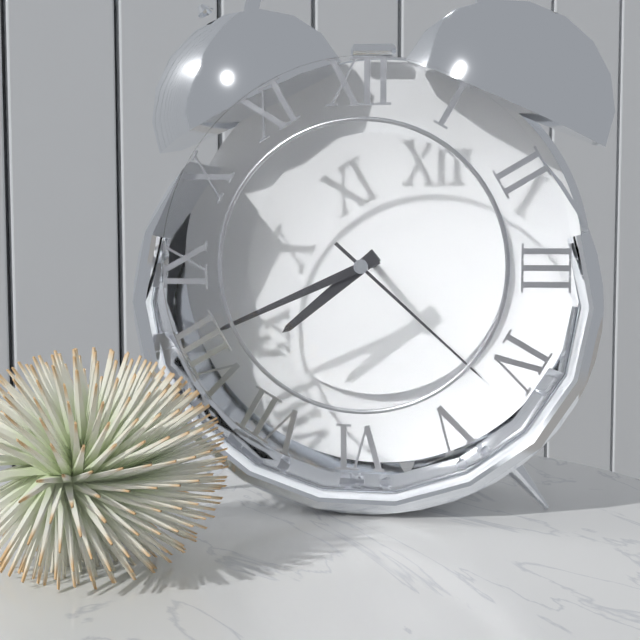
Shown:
7h41m22s
